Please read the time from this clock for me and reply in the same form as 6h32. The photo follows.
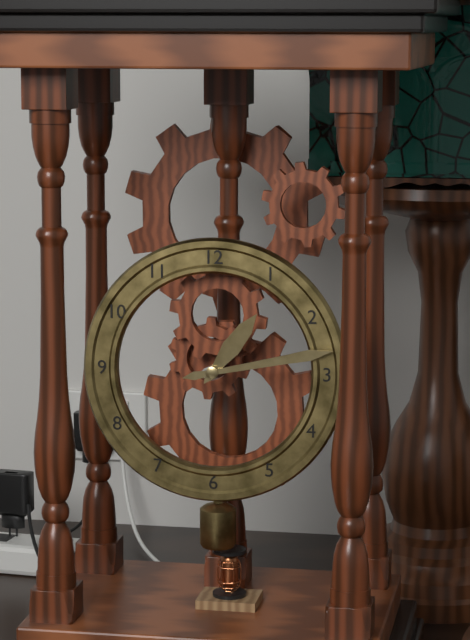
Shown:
1h13
